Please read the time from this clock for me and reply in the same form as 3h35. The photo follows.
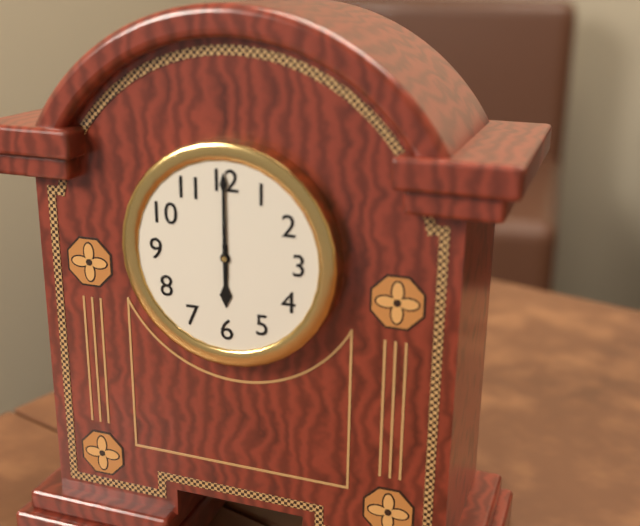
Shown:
6h00
